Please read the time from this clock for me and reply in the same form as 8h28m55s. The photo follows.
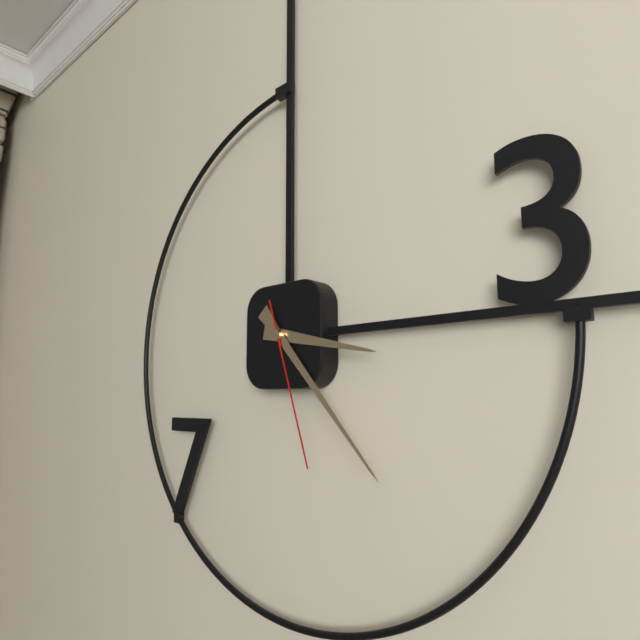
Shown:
3h23m27s
